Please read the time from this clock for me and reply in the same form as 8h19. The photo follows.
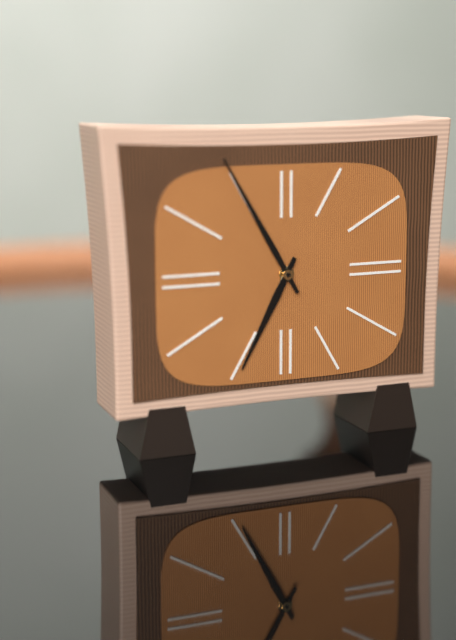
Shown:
6h55
